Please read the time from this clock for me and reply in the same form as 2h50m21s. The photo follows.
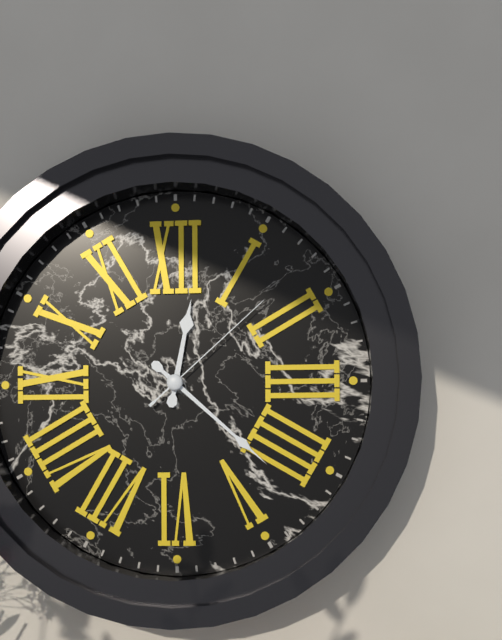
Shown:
12h22m08s
